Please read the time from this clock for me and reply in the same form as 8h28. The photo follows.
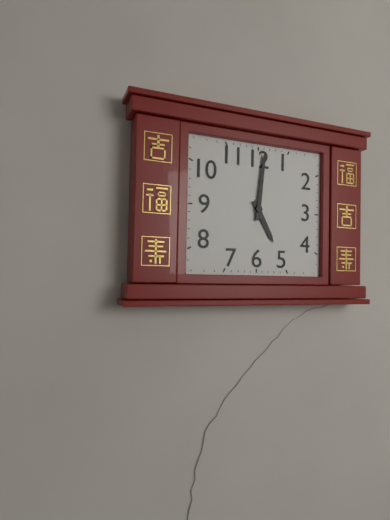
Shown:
5h01
